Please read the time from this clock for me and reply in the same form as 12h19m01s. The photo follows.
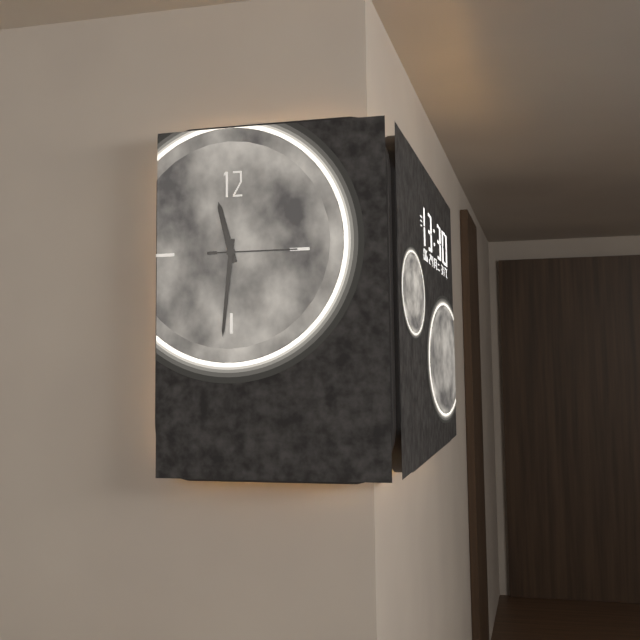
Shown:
11h31m15s
